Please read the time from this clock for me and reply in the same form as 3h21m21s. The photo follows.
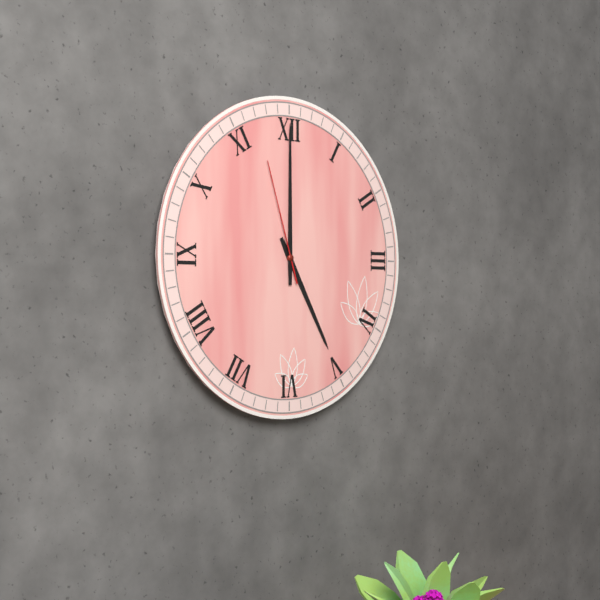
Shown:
5h00m57s
